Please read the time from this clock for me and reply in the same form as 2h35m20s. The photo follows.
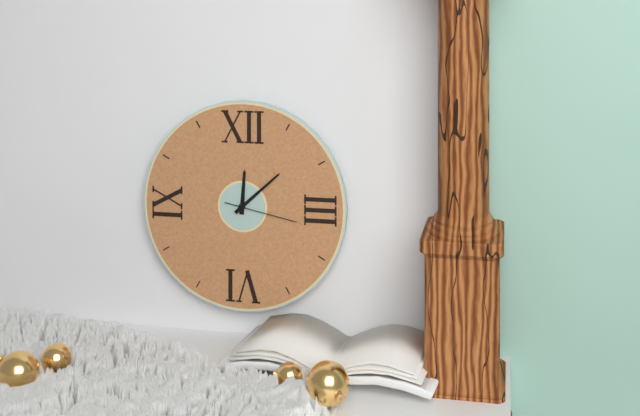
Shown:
12h08m17s
